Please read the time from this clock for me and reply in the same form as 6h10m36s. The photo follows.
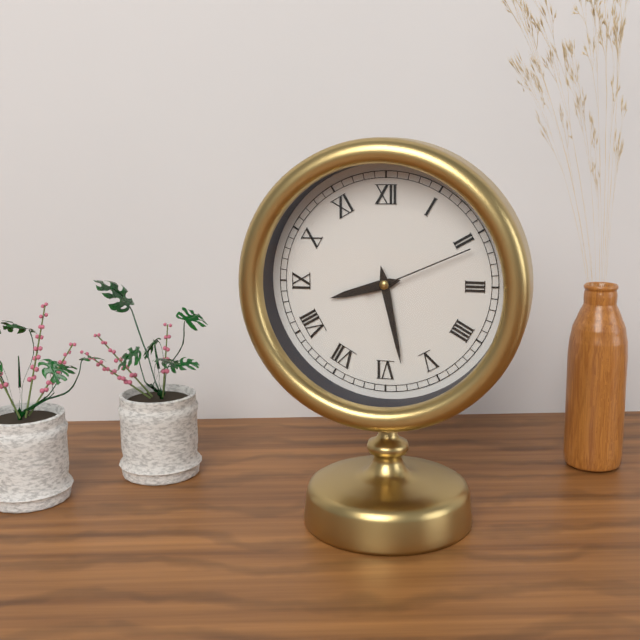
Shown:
8h28m11s
